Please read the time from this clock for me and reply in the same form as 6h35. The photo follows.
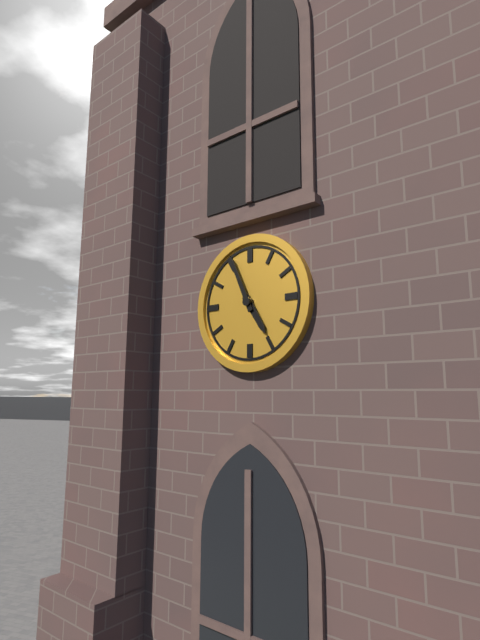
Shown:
4h56
